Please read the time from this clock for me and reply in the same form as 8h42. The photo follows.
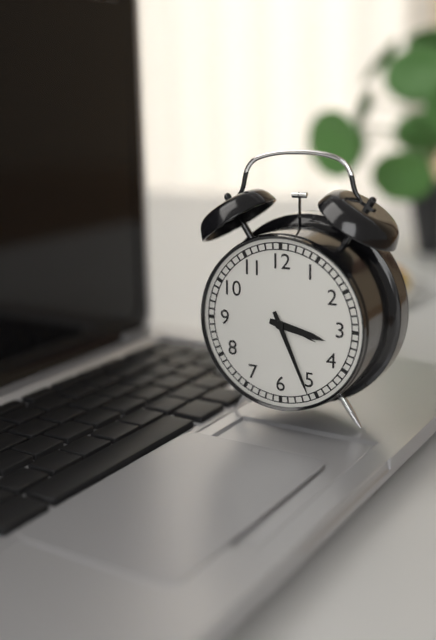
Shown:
3h26
